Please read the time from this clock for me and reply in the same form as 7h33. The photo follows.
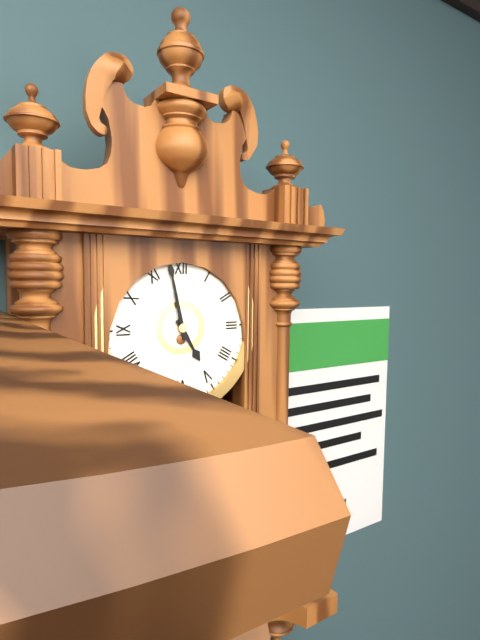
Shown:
4h58
